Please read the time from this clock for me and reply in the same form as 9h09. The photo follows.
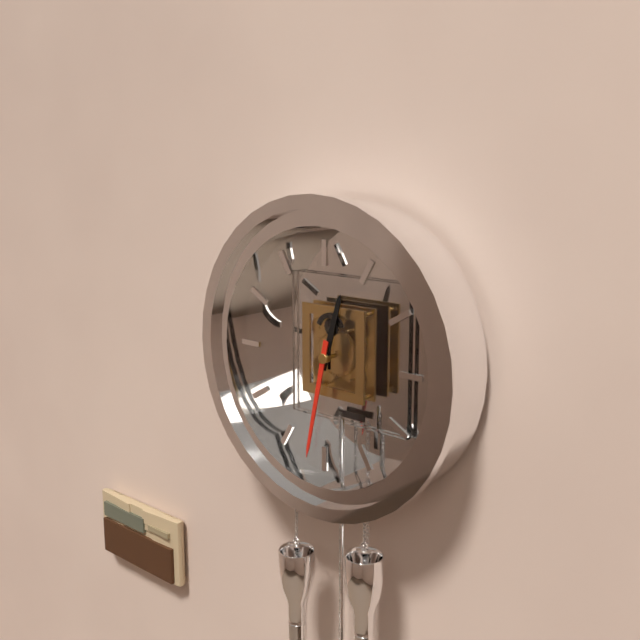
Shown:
12h32
